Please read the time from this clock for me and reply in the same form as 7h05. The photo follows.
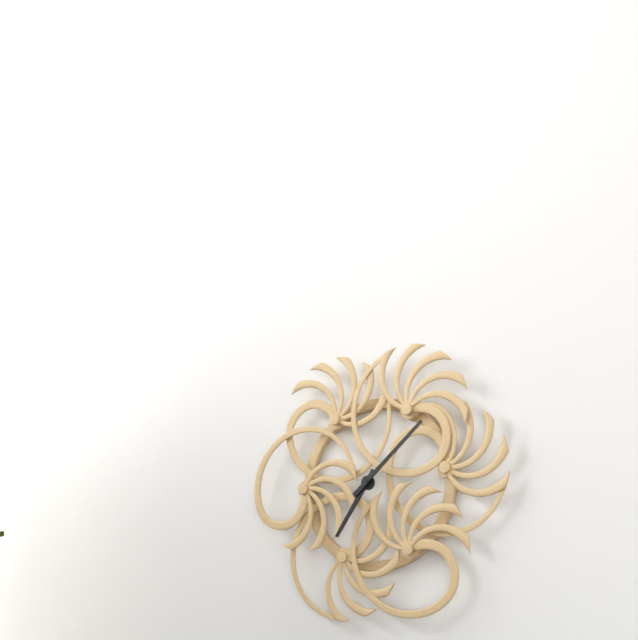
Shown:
7h08
